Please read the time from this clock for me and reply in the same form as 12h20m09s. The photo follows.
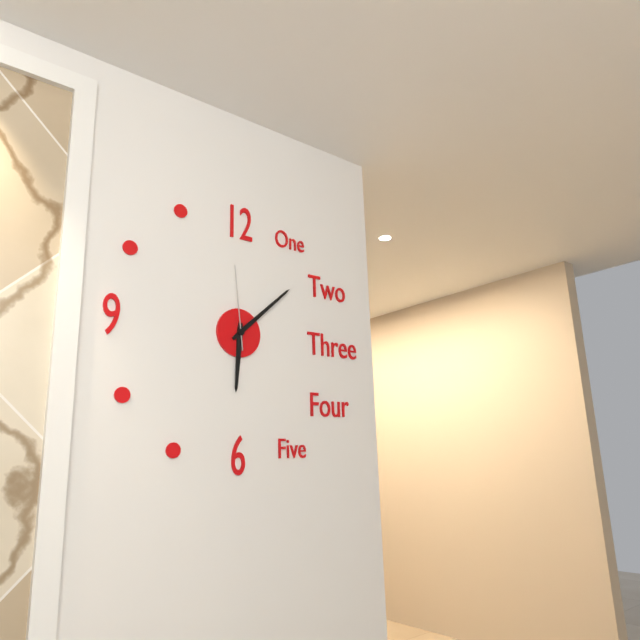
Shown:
6h08m59s
